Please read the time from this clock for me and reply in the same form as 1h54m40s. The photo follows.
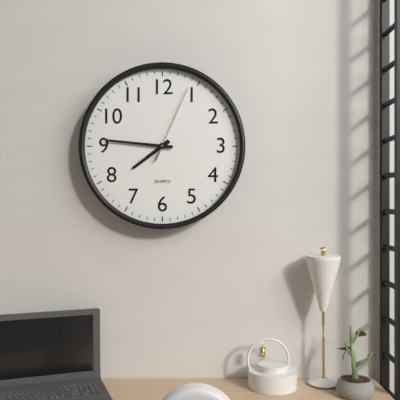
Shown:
7h46m04s
